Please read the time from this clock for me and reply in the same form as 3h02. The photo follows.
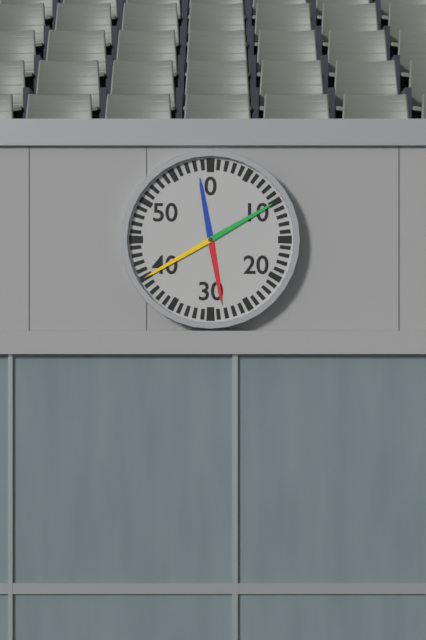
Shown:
5h40
